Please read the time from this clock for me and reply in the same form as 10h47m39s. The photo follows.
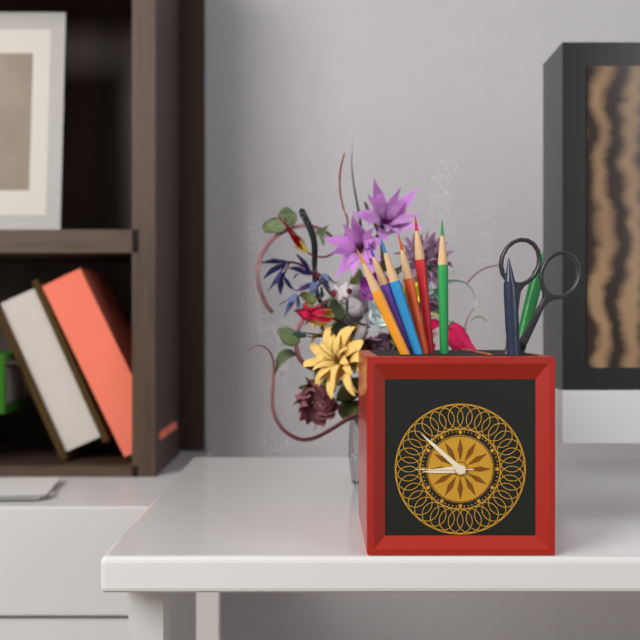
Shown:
8h52m45s
